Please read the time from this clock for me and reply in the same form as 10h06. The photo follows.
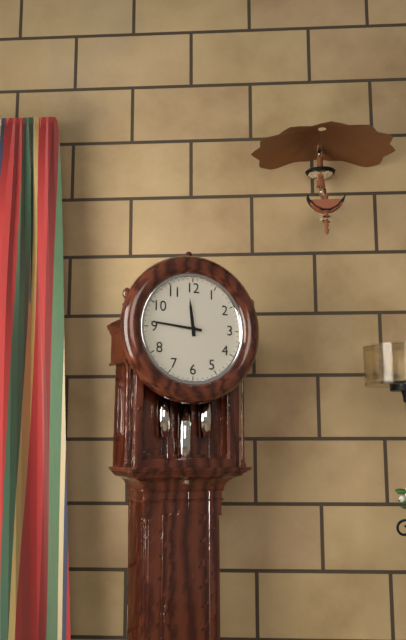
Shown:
11h46
